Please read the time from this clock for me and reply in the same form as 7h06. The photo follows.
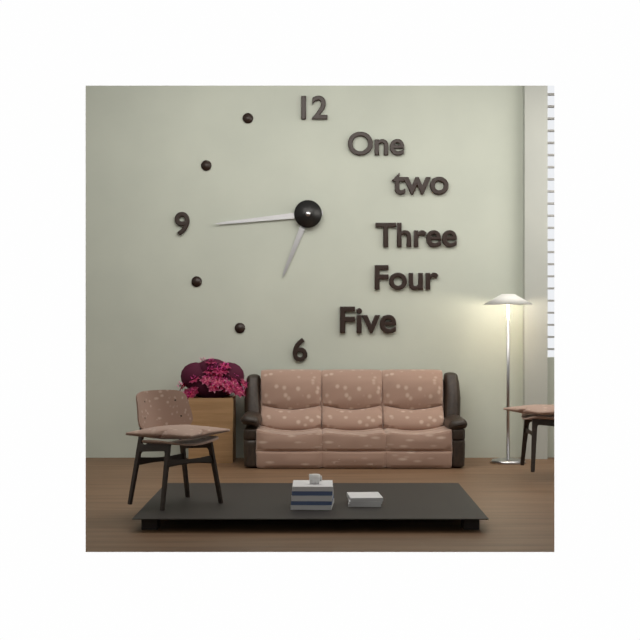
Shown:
6h44
